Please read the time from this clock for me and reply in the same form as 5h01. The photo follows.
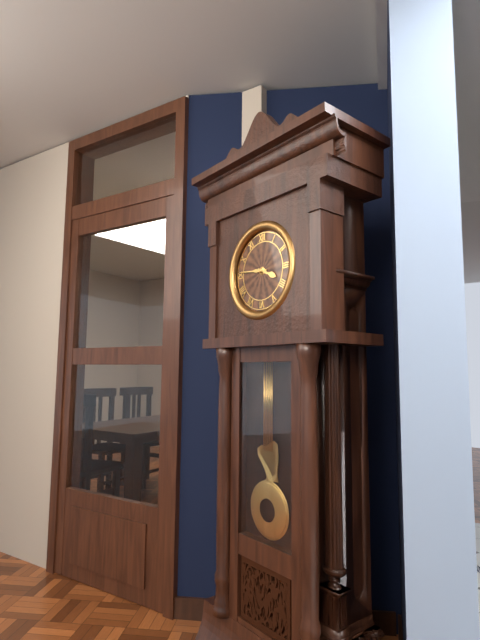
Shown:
3h46
